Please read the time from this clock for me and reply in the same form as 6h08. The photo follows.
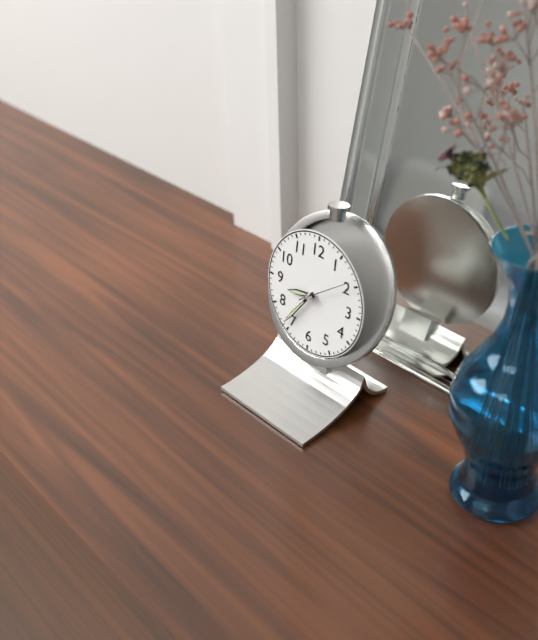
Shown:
8h36
